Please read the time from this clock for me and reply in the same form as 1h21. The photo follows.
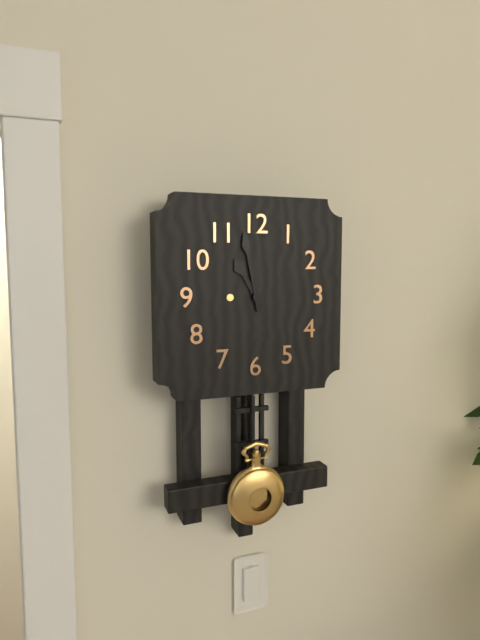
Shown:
10h58
